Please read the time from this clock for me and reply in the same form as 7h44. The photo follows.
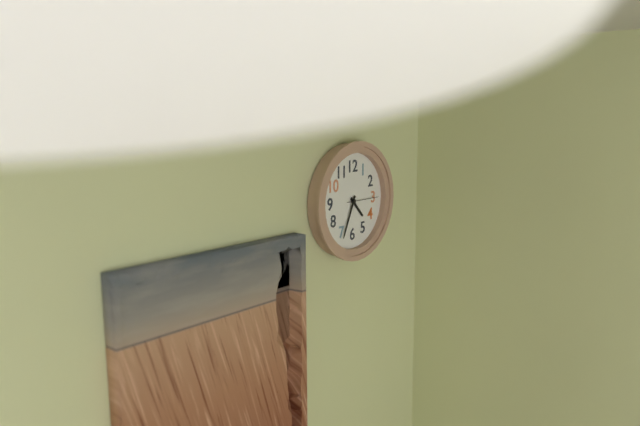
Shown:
4h34
